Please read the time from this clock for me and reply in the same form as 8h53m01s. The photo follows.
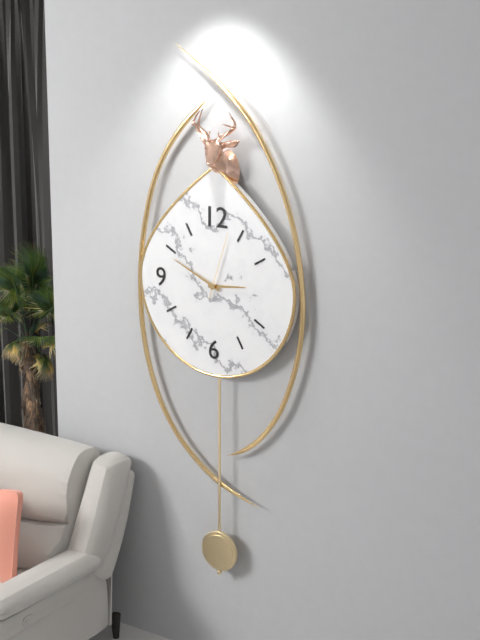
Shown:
2h49m03s
